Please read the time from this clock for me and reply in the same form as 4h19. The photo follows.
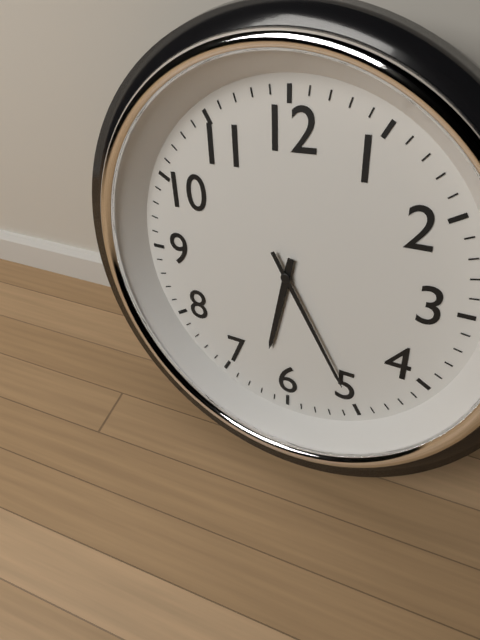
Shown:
6h25
